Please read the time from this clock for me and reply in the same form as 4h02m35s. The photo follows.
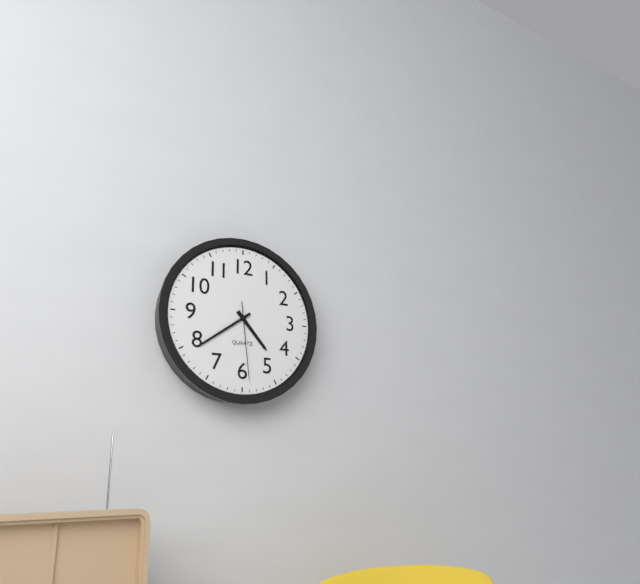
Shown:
4h39m29s
